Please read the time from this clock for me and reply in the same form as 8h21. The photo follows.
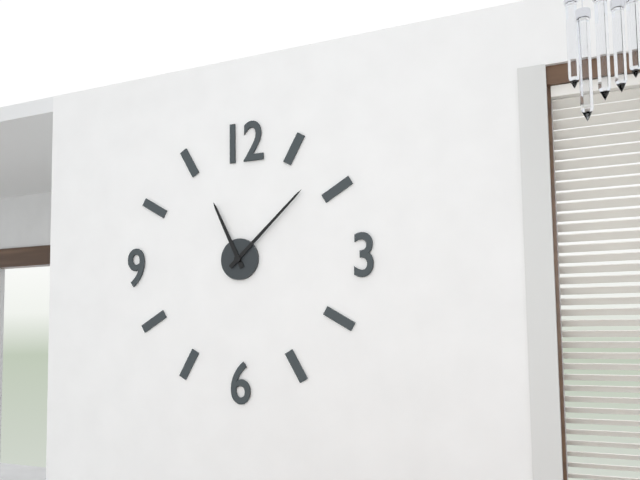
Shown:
11h08
